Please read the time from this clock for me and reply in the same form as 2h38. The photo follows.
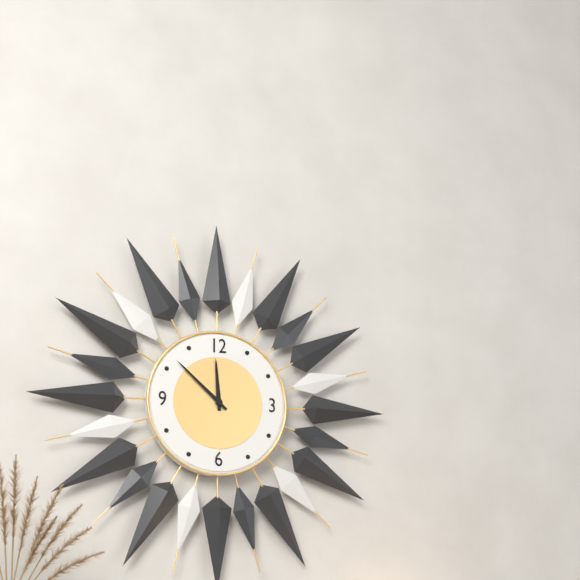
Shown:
11h52
